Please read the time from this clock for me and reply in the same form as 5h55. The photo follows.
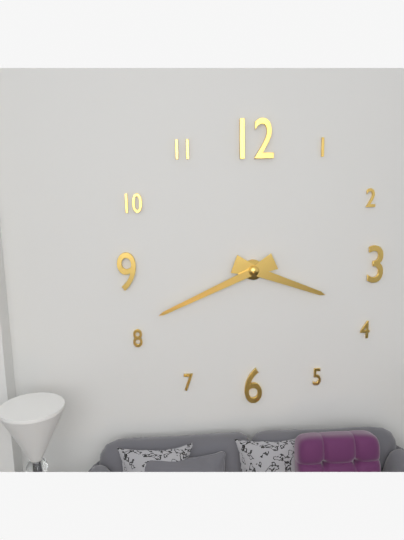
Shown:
3h41
